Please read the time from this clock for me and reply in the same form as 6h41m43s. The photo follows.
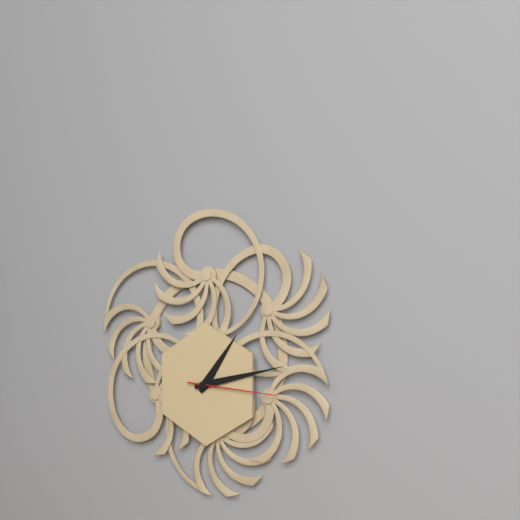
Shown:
1h13m16s
